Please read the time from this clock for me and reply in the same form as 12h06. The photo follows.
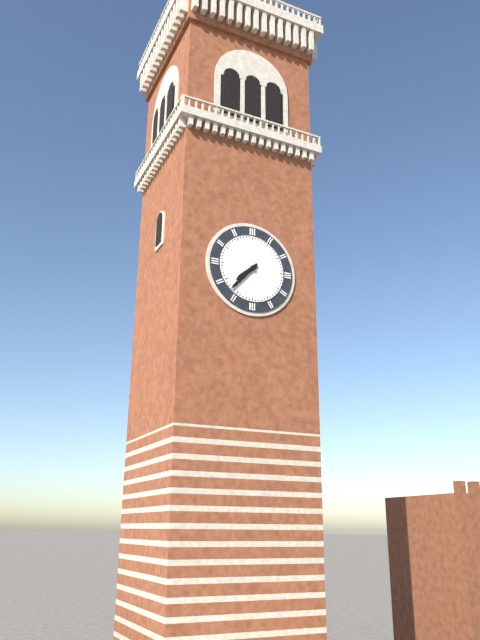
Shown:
7h37
